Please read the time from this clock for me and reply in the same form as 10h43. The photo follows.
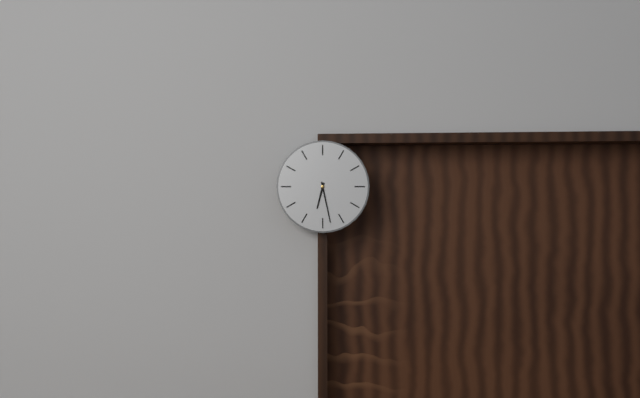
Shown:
6h28
